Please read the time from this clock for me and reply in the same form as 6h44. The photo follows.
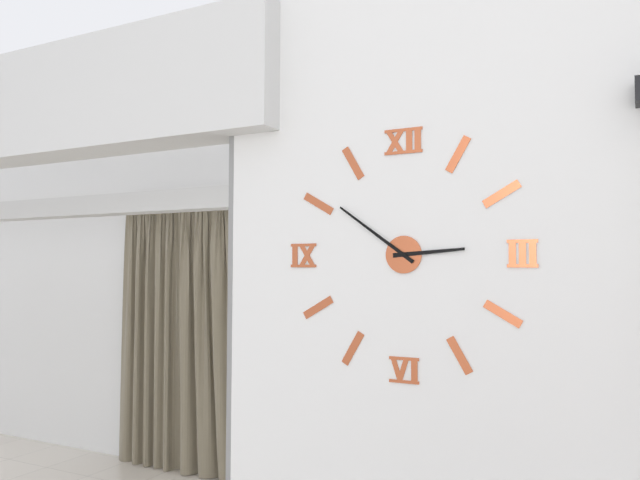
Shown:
2h51
